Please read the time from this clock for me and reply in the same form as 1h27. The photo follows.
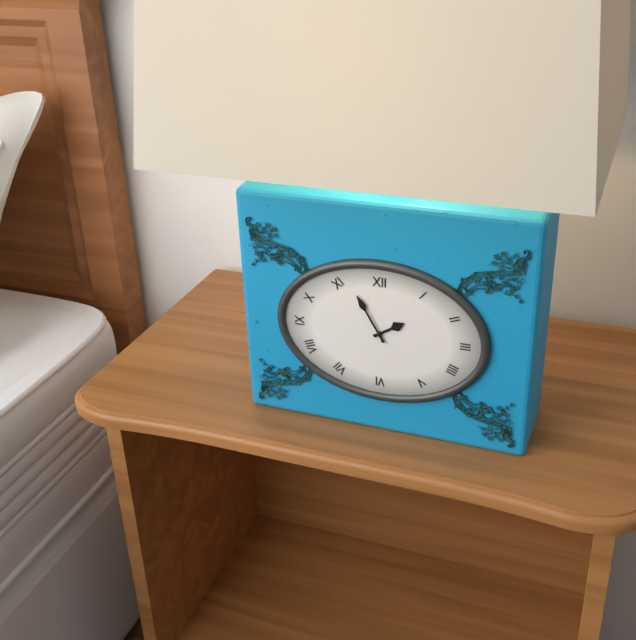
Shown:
1h55
